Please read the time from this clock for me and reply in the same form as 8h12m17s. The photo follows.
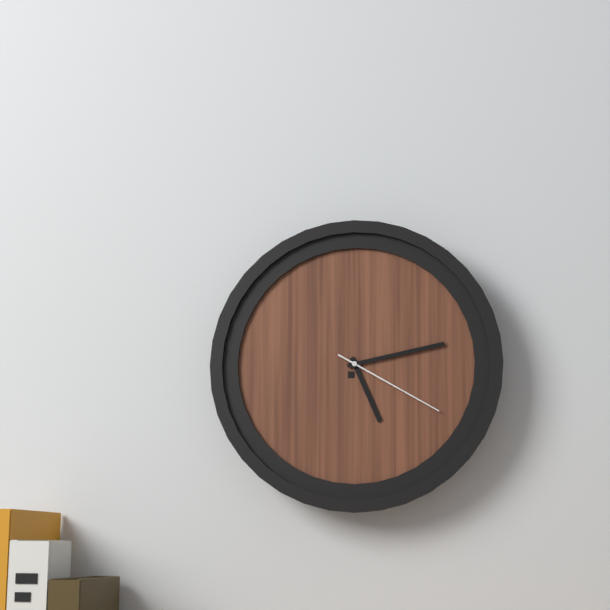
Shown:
5h13m20s
